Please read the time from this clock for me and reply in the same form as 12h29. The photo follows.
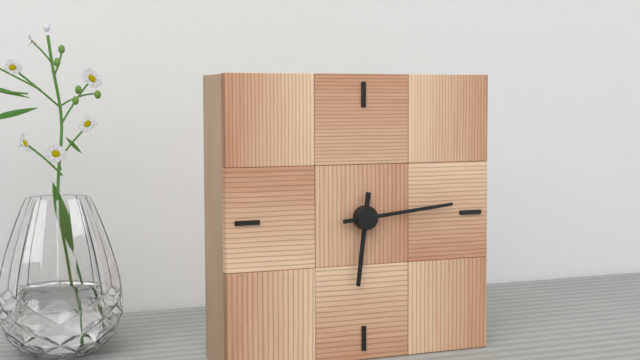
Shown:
6h14
